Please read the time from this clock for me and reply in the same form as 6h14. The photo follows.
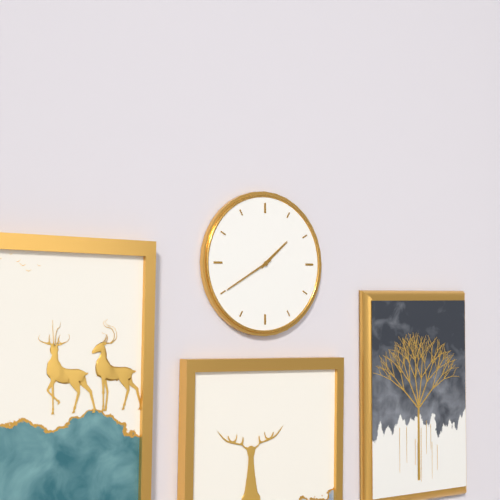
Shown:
1h40
